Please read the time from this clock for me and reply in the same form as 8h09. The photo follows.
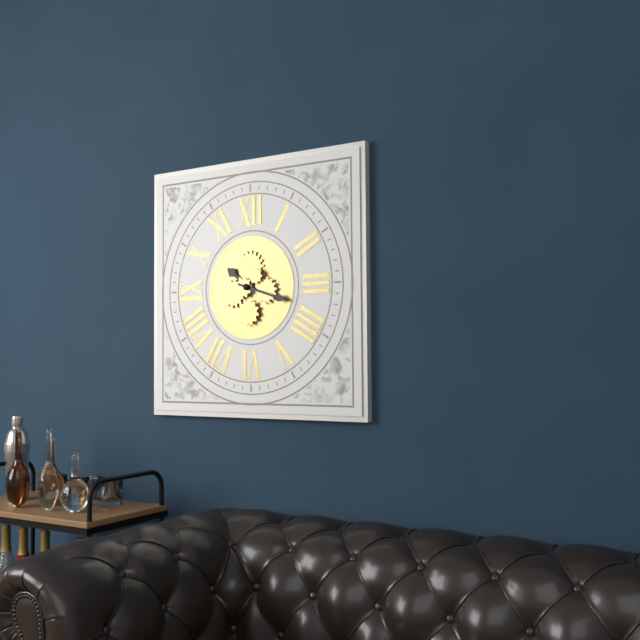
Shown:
10h18
